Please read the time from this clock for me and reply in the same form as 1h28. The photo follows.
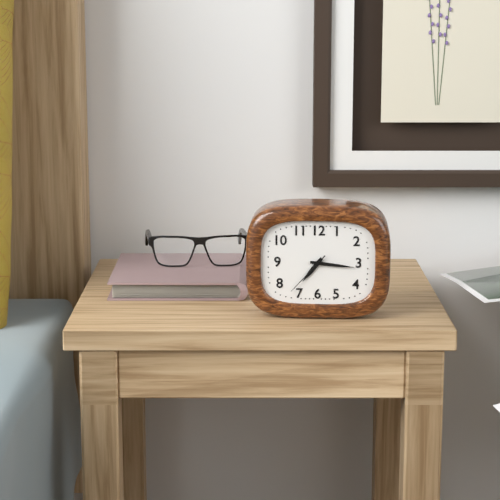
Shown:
7h16
